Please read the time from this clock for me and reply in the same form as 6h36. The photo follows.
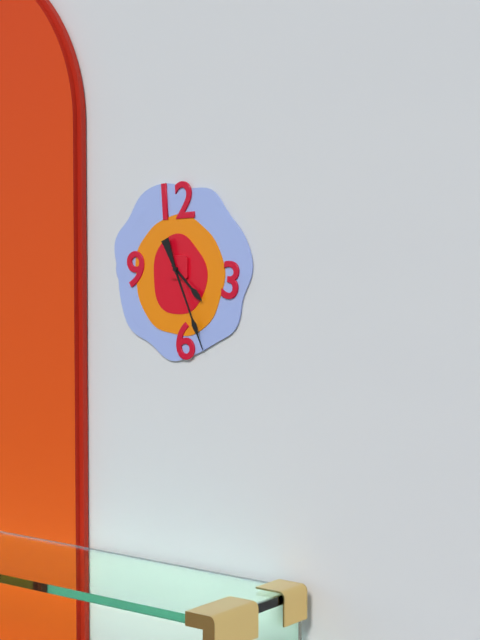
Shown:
4h26
